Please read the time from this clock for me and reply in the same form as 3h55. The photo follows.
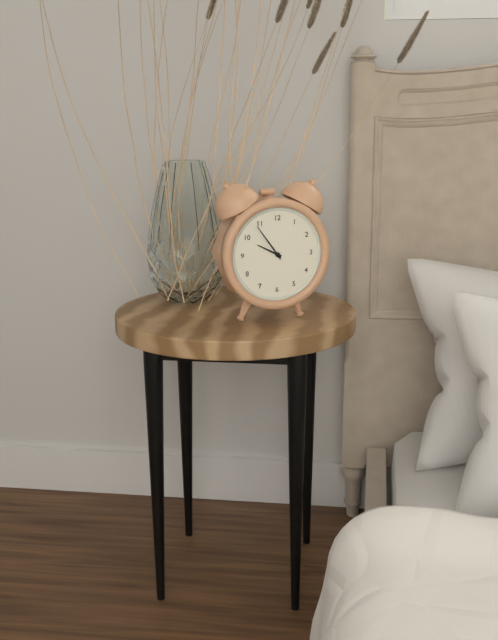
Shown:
9h54
